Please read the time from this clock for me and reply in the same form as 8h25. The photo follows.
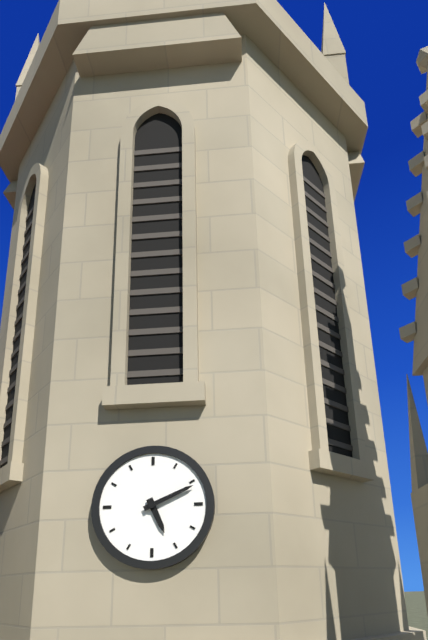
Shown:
5h11
